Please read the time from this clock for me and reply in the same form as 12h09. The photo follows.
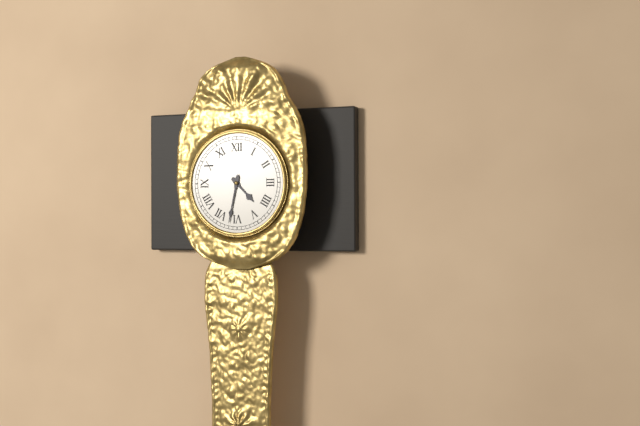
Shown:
4h32
